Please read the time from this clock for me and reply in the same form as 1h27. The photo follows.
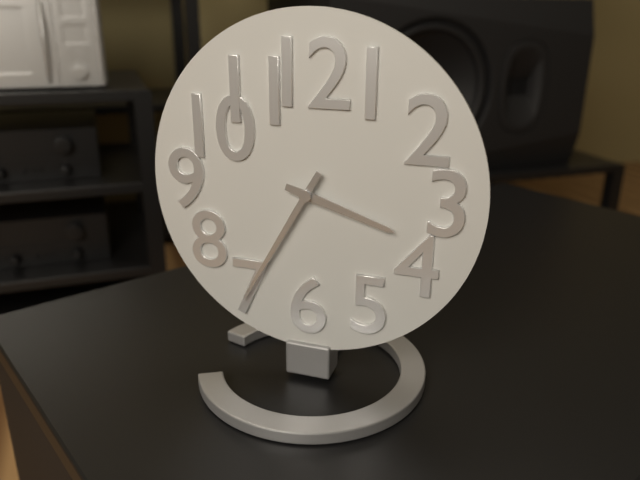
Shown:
3h35
